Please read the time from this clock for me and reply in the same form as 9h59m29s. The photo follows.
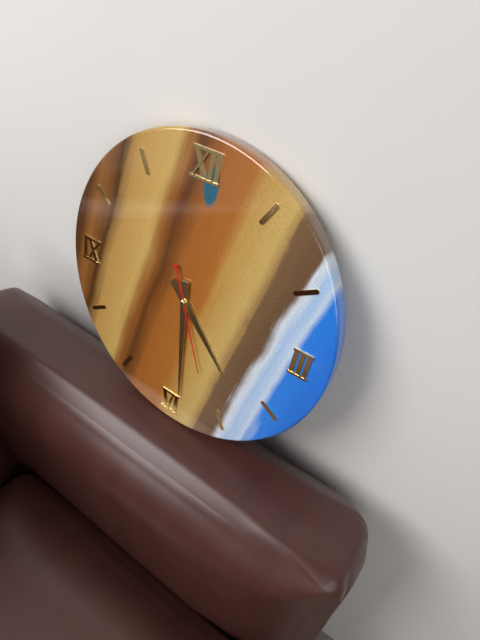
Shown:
4h29m26s
